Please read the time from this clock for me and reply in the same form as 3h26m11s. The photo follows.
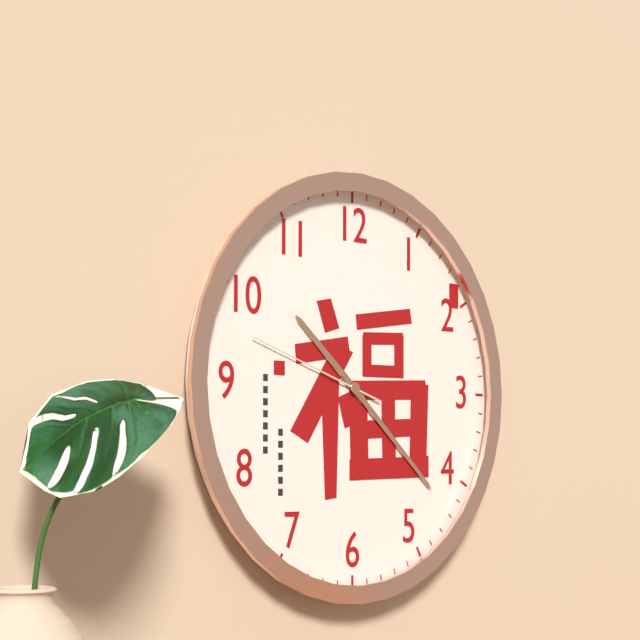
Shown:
10h22m48s
